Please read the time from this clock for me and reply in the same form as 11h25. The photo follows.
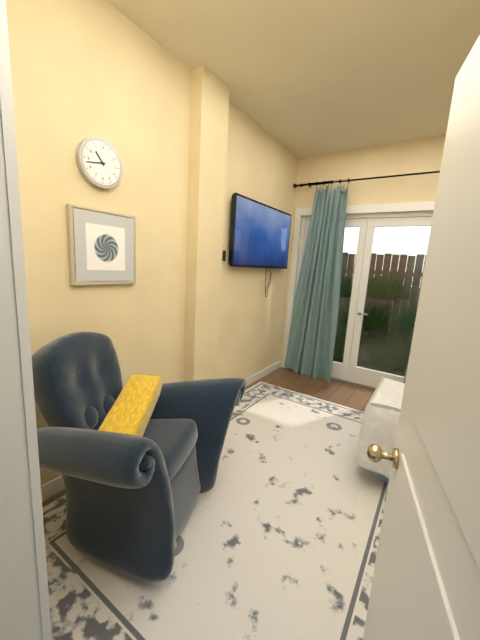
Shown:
10h43
